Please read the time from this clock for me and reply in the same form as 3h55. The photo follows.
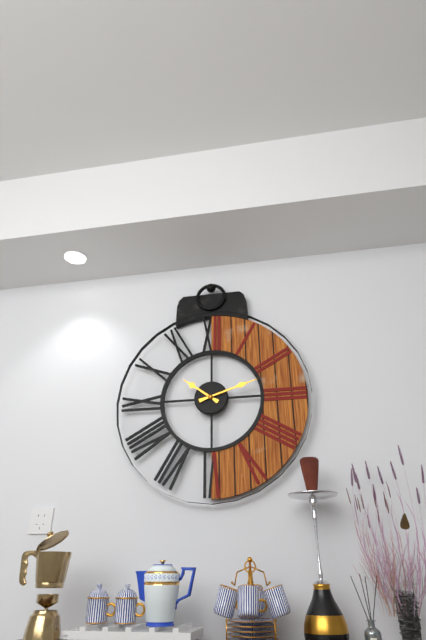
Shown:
10h12
